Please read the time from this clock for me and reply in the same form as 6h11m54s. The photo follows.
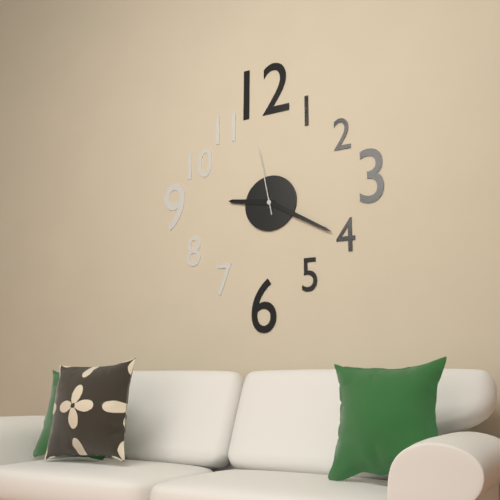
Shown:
9h20m58s
